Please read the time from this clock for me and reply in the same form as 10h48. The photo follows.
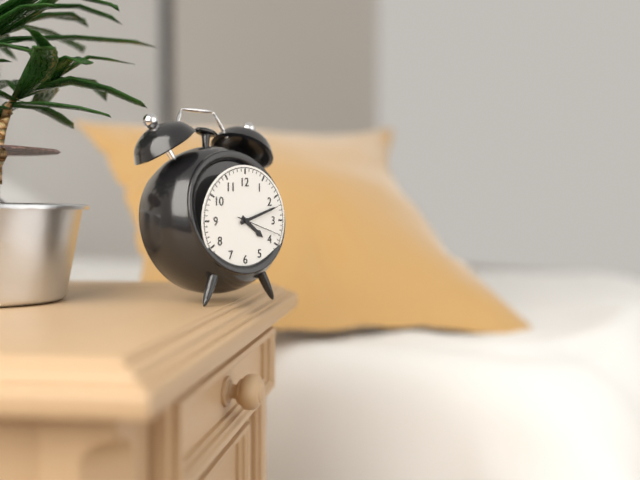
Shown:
4h12
